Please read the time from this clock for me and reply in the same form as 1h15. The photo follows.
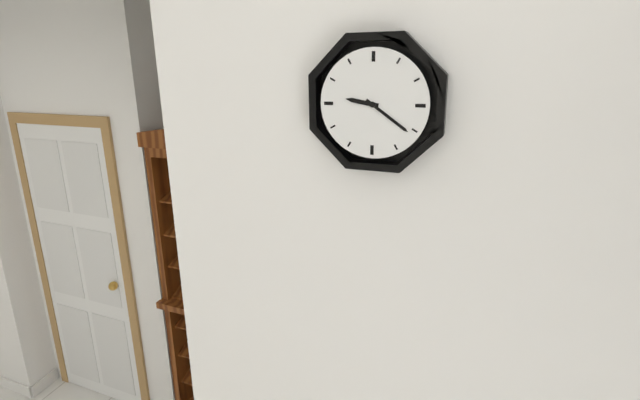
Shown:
9h21
